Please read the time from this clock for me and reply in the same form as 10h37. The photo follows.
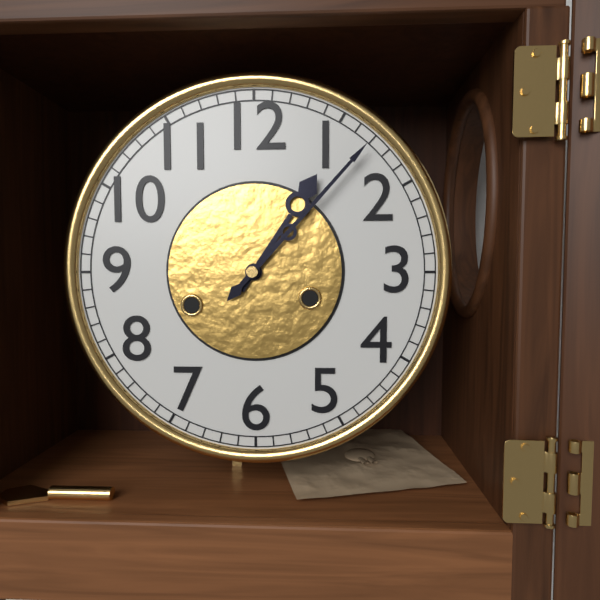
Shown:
1h07
